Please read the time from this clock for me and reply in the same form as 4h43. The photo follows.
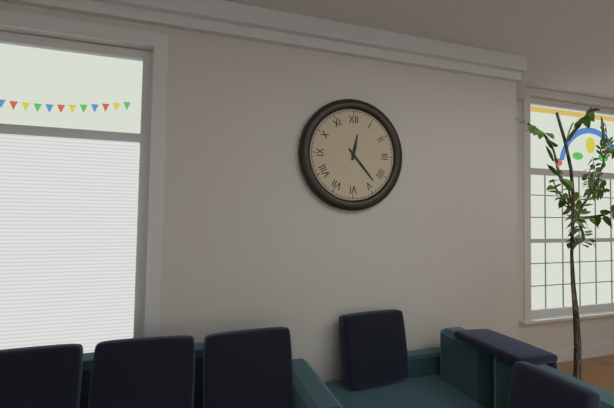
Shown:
12h23
